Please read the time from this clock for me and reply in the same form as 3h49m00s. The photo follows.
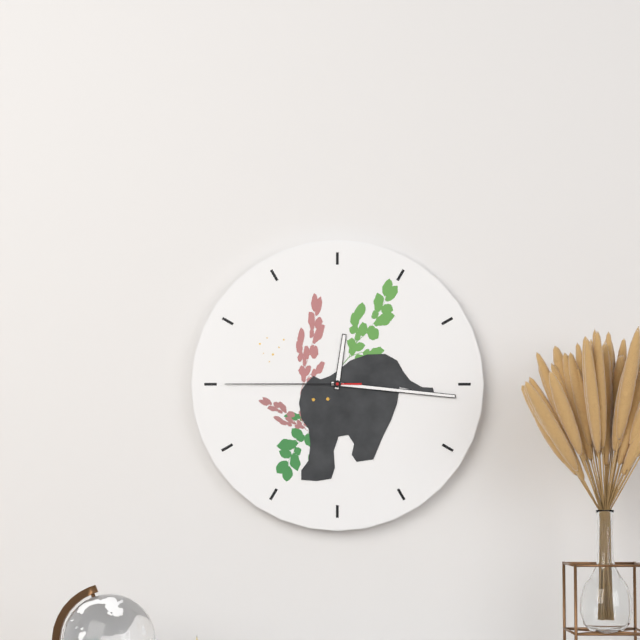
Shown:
12h16m45s
